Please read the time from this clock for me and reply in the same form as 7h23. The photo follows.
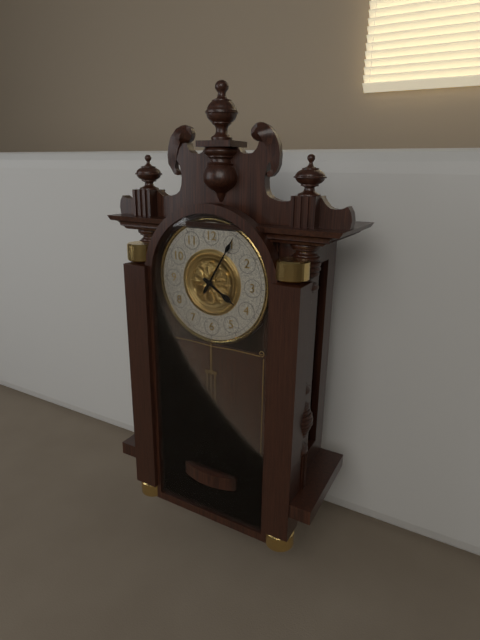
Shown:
4h05
